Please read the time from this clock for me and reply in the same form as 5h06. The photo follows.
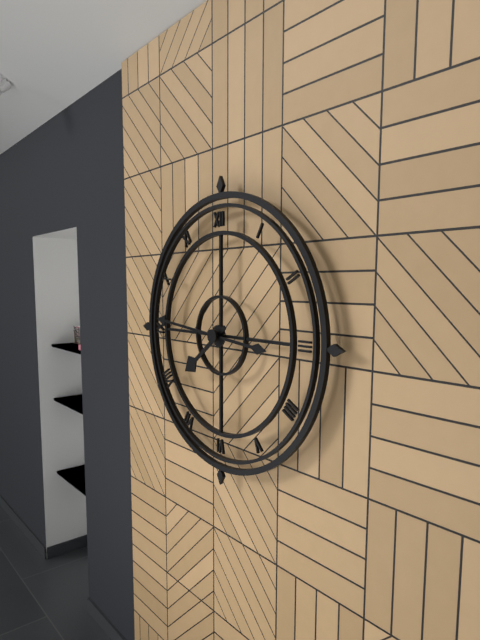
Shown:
7h46
